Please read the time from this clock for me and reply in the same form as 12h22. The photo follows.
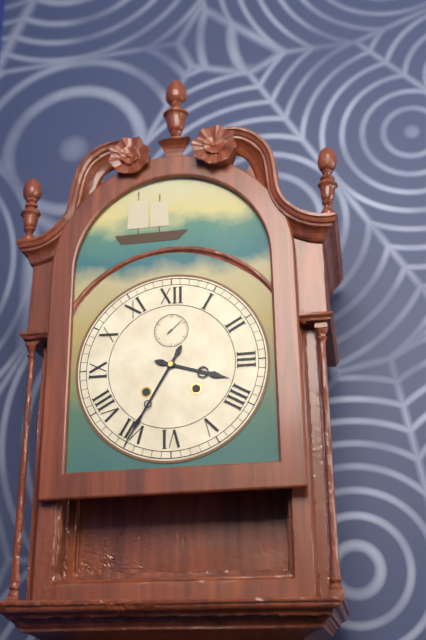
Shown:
3h35
